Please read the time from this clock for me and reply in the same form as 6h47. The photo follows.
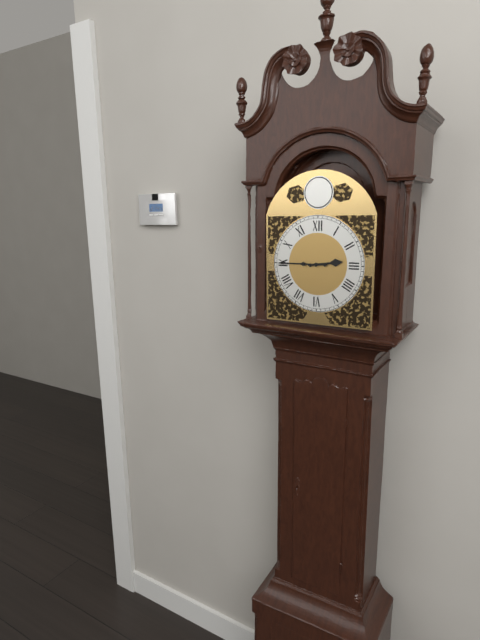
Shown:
2h45
